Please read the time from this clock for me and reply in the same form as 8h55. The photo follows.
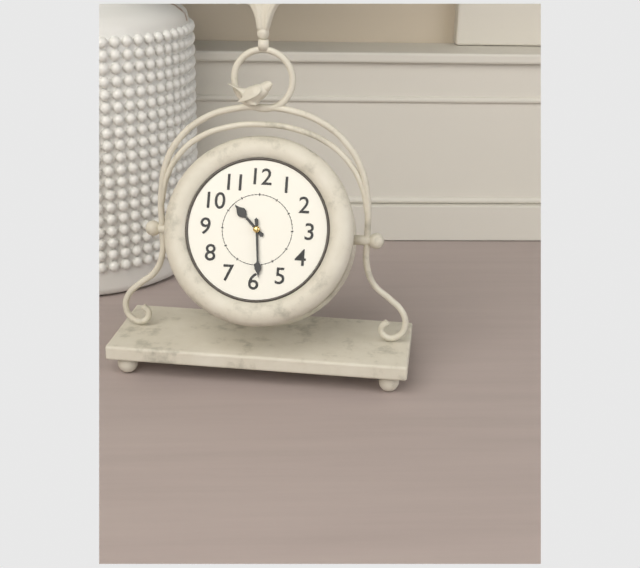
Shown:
10h29
